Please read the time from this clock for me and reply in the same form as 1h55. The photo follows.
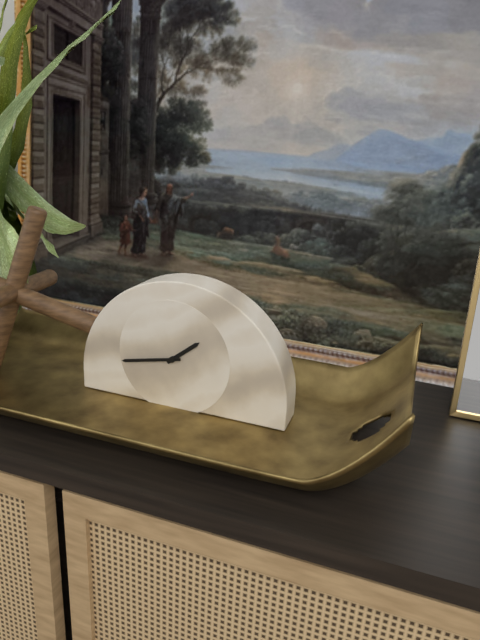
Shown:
1h43
